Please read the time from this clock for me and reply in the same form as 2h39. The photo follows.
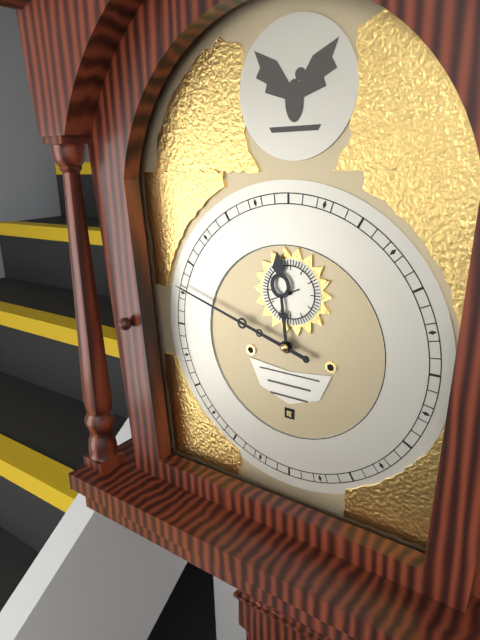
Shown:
11h48
